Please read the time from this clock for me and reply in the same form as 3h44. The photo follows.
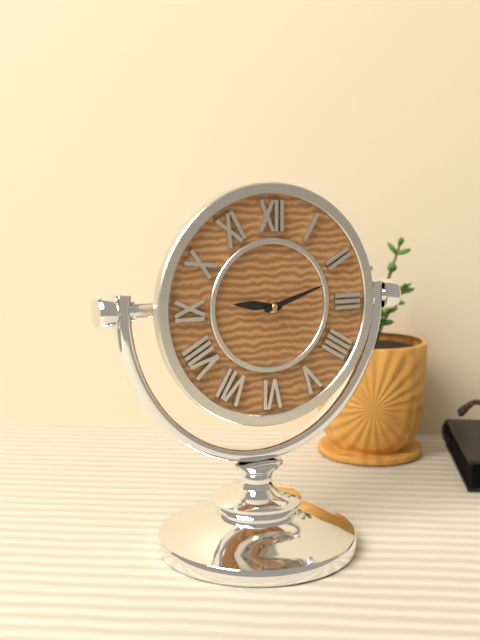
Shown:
9h12
